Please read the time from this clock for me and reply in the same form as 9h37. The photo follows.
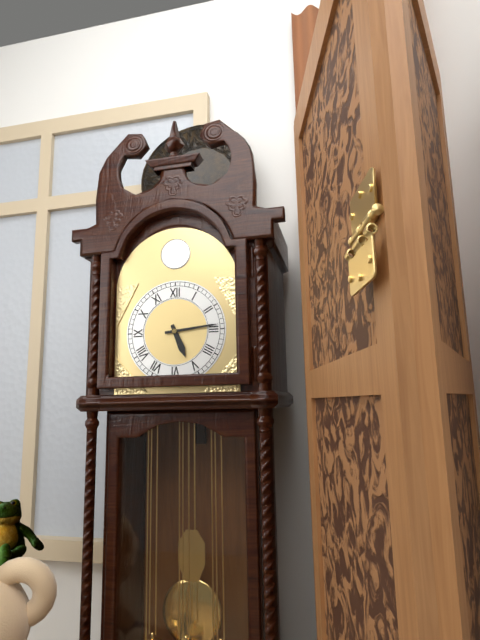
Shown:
5h14
